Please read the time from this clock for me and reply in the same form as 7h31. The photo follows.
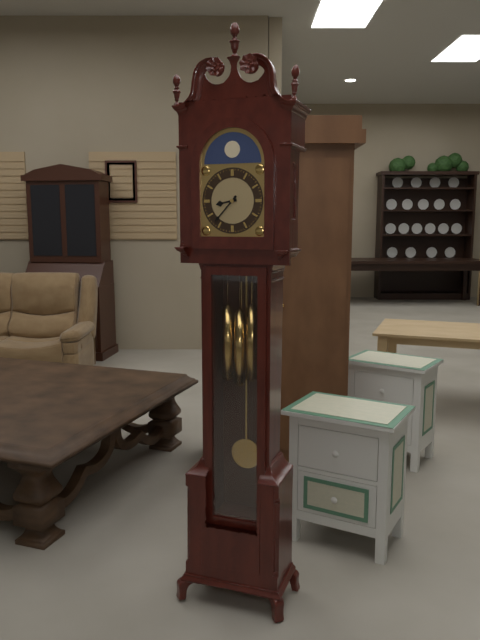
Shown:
8h37
